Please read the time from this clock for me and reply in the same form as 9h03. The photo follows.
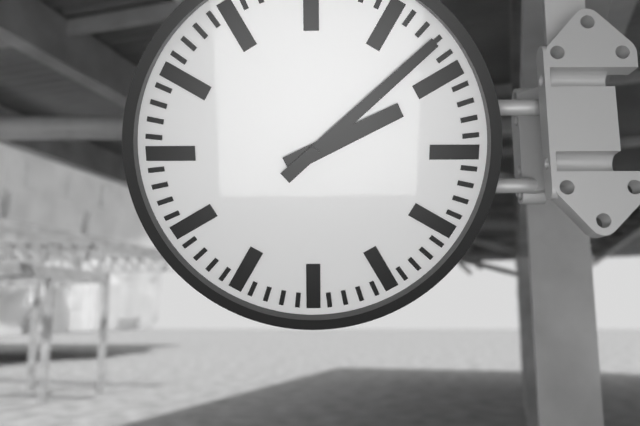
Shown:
2h08
